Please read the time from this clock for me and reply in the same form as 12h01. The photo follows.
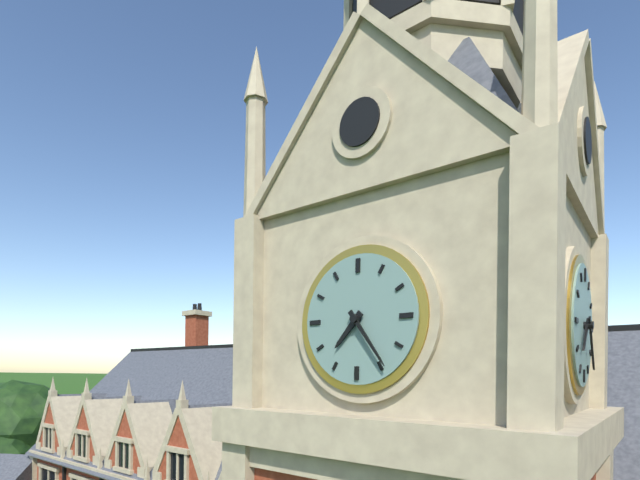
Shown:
7h24
